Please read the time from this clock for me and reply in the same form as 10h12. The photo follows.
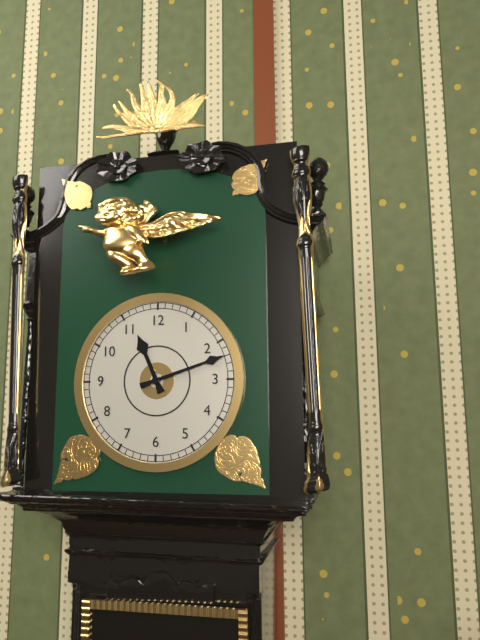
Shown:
11h12
